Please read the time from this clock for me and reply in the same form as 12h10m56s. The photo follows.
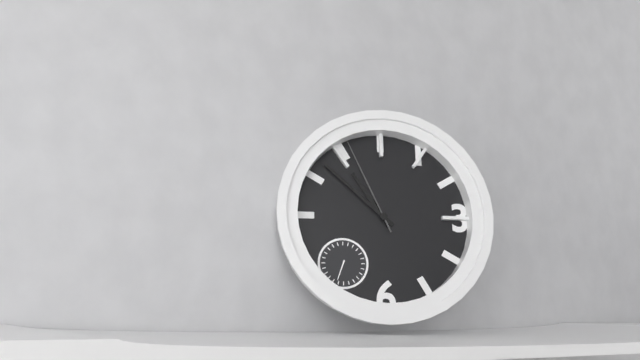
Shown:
10h52m56s
